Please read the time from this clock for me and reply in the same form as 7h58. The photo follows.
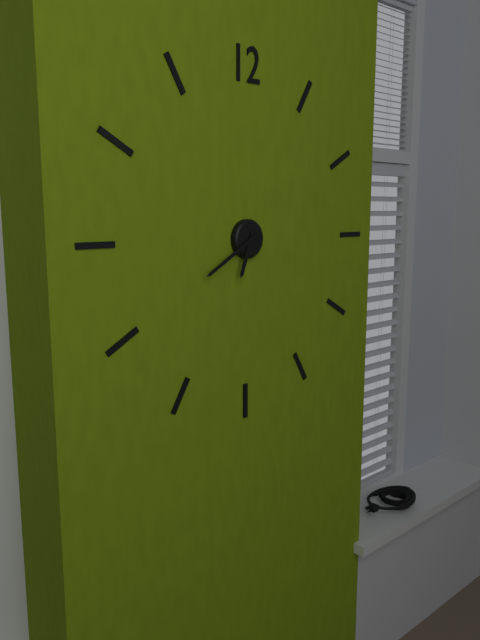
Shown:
6h40
